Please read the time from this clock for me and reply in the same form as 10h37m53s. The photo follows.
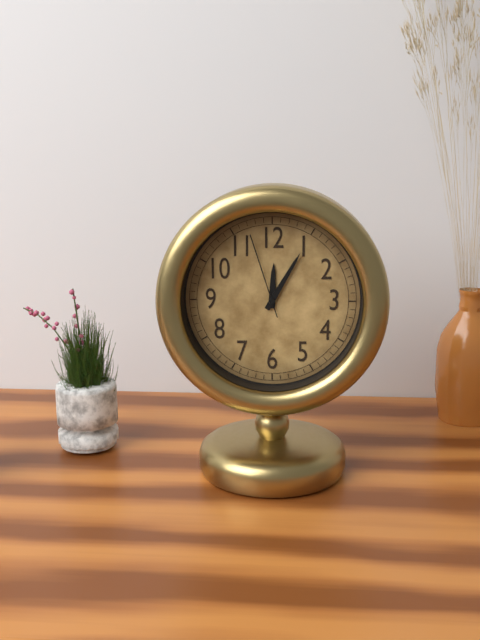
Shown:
12h05m57s
